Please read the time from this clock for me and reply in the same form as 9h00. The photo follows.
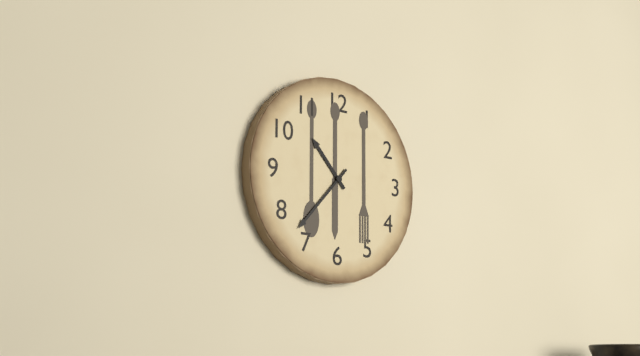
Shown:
10h37
